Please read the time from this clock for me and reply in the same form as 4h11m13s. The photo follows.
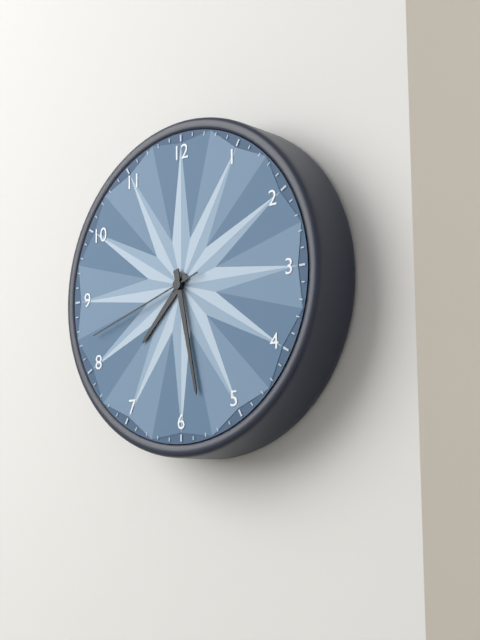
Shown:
7h28m42s
